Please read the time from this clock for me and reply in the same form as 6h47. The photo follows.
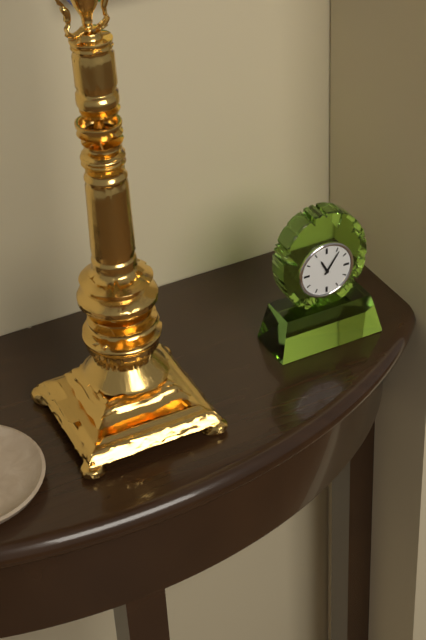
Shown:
11h06
